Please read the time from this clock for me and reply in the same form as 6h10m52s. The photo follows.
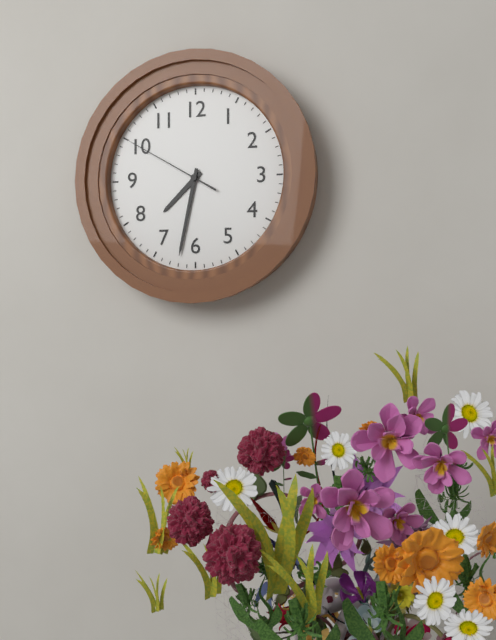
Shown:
7h32m50s
